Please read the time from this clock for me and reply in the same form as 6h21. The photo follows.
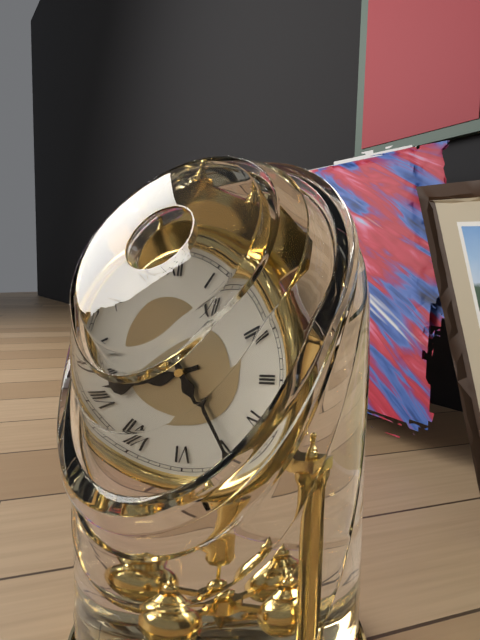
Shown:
8h25
